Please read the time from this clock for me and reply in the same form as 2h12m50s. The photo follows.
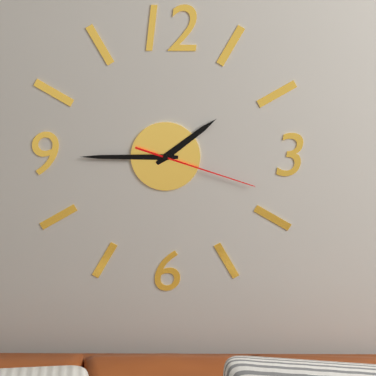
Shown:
1h45m18s
